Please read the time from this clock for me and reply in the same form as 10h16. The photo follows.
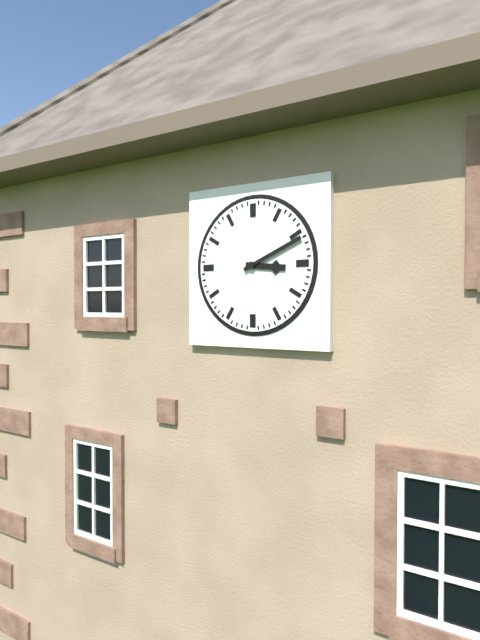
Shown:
3h11
